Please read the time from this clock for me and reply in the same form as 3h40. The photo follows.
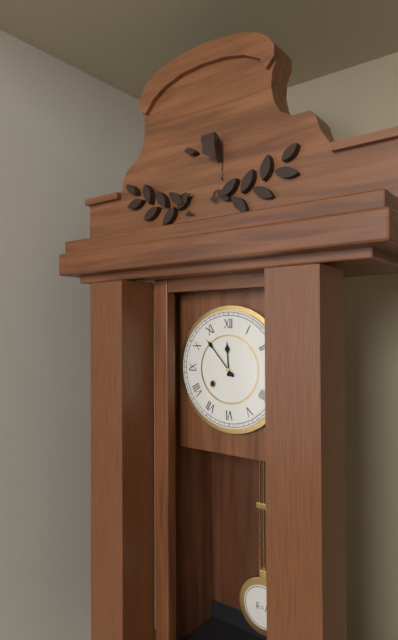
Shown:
11h53
